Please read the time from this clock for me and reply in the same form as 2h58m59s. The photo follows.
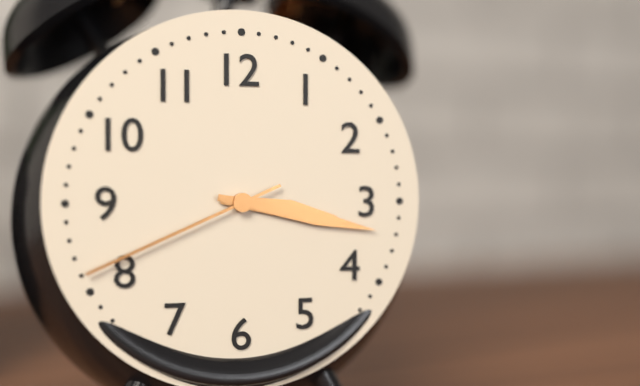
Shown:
3h17m41s
